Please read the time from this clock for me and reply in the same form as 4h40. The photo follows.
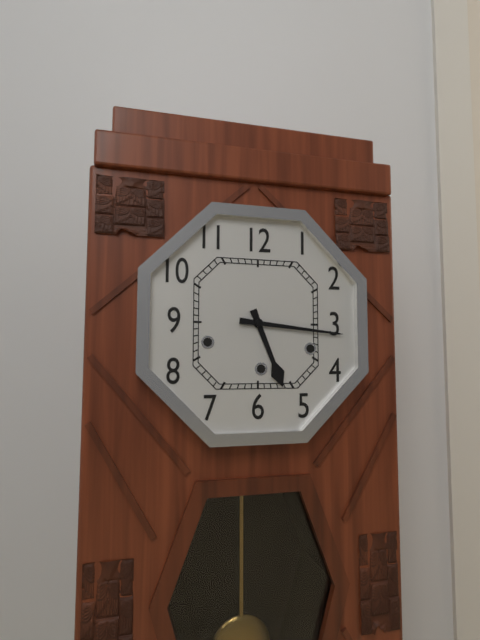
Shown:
5h16
